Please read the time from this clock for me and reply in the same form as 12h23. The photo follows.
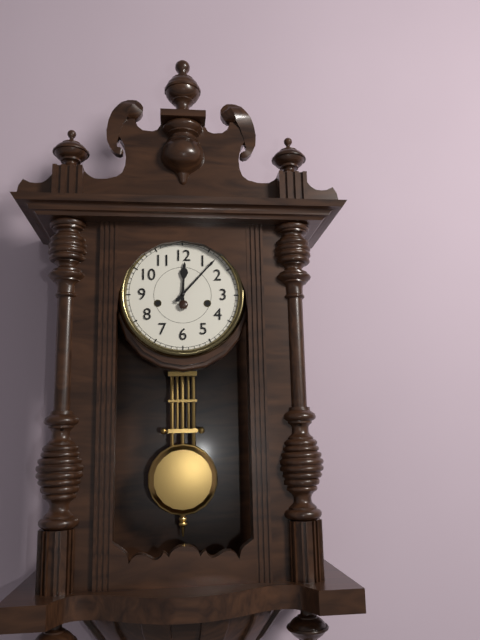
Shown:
12h07
